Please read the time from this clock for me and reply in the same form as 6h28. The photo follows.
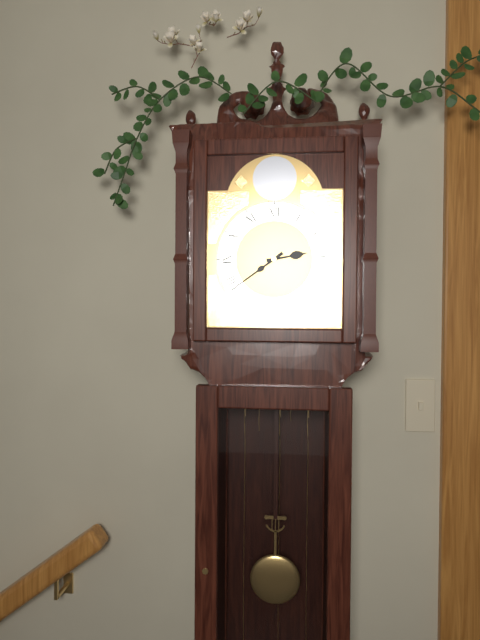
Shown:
2h39
